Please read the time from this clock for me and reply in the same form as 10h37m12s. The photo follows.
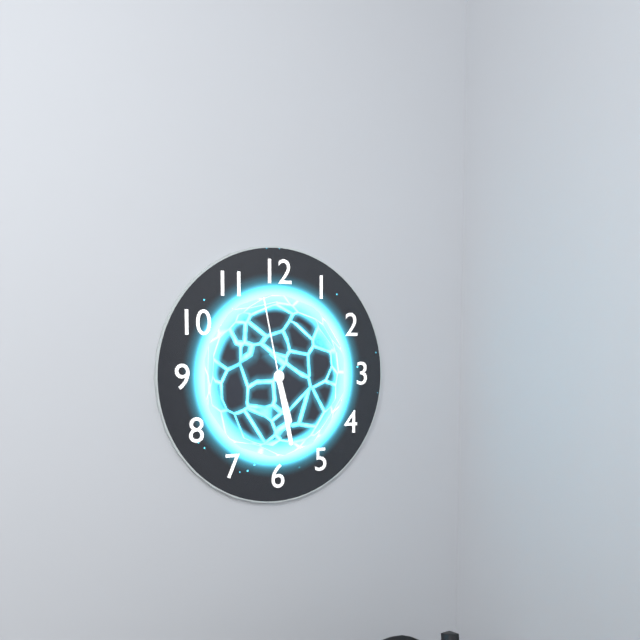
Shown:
5h28m58s
